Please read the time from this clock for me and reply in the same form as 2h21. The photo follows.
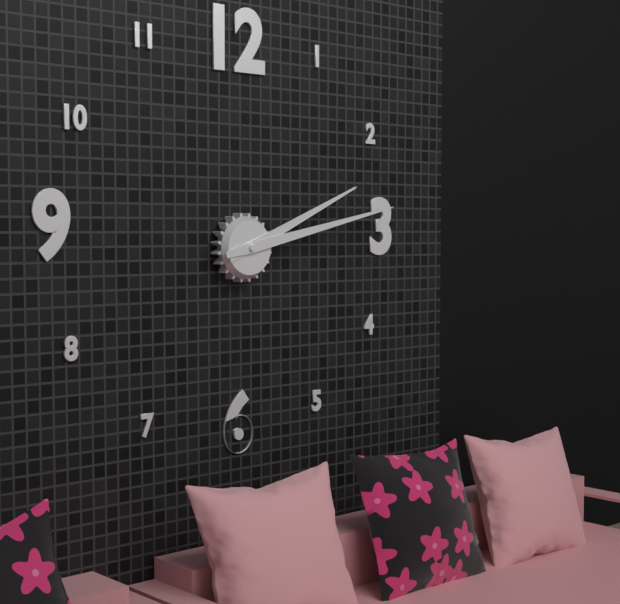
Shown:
2h13
